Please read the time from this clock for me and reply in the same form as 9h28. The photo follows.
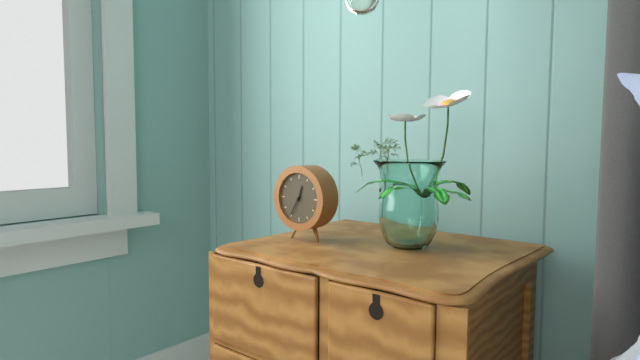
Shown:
12h35
